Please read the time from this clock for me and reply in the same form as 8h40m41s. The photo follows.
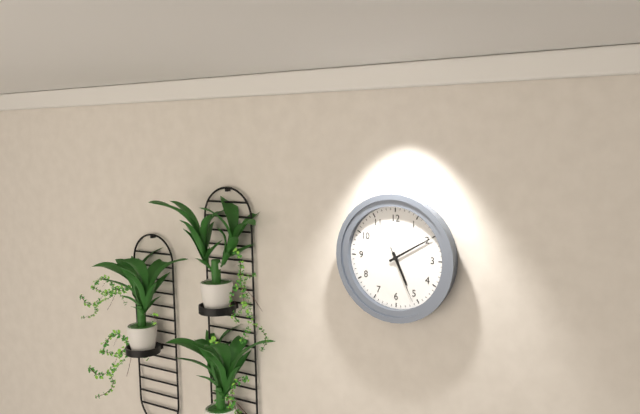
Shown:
5h10m26s
